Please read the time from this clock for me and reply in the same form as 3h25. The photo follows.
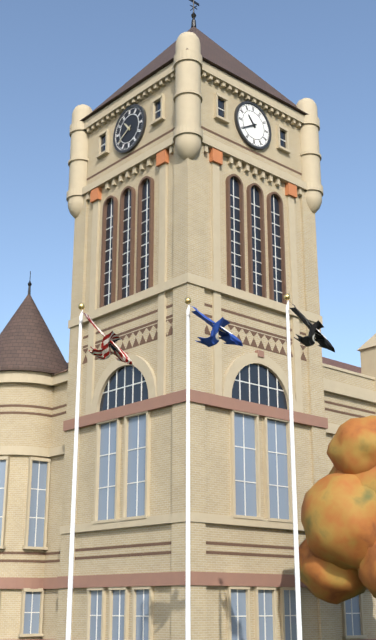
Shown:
10h40
